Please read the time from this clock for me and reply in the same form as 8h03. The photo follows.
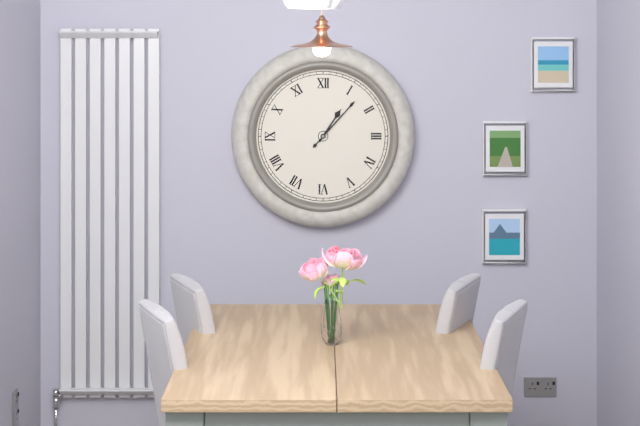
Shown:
1h07
